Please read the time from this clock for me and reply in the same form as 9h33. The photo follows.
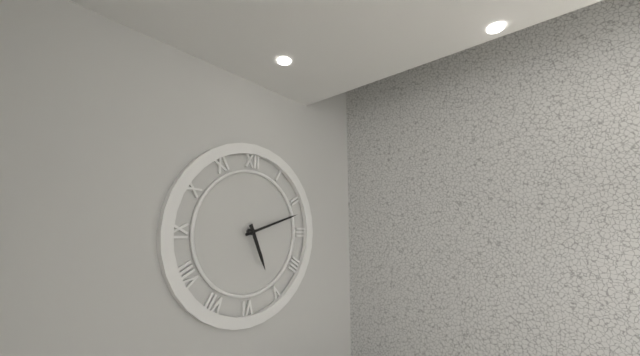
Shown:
5h12
